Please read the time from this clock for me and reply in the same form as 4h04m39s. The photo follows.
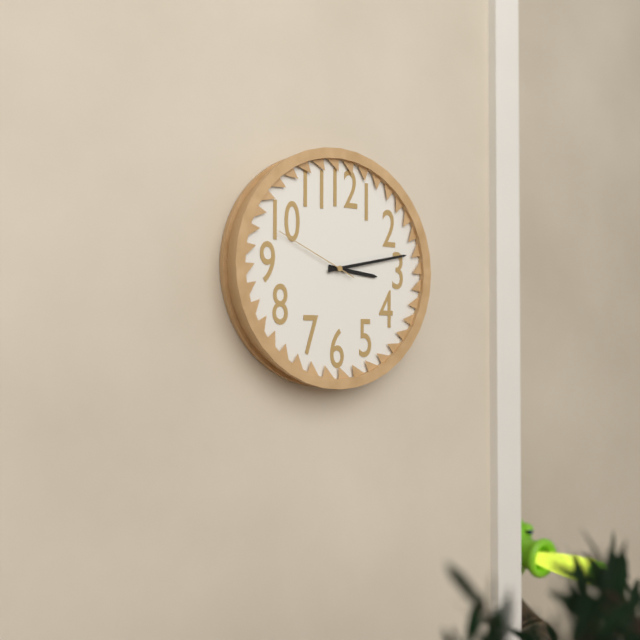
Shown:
3h13m49s
